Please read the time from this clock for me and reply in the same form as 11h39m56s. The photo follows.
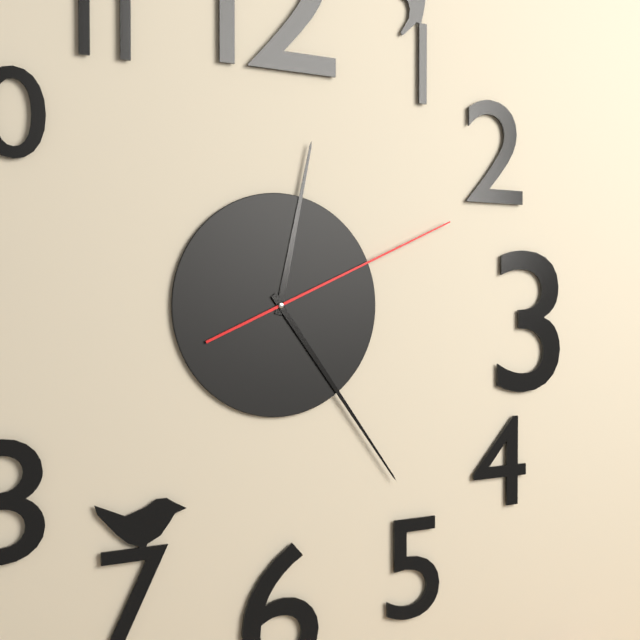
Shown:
12h24m11s
